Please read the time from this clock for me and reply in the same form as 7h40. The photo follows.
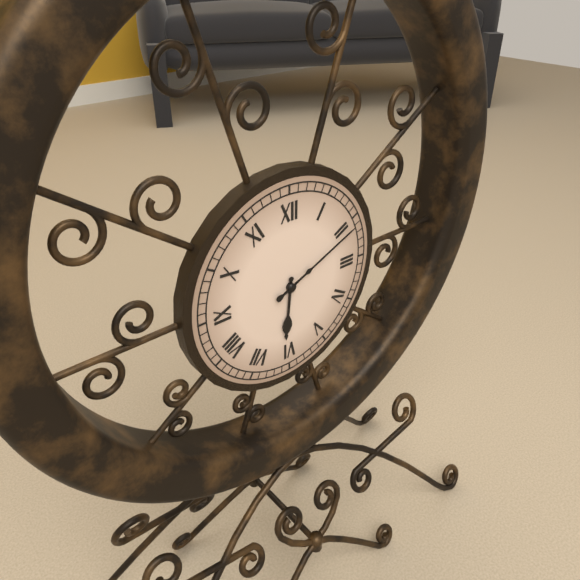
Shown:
6h11
